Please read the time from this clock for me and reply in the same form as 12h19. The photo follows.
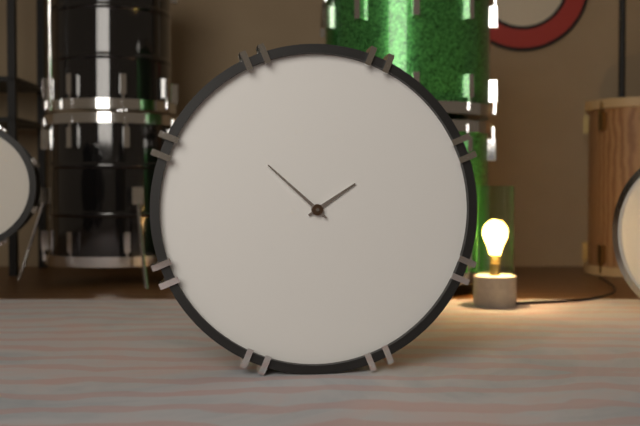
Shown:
1h52
